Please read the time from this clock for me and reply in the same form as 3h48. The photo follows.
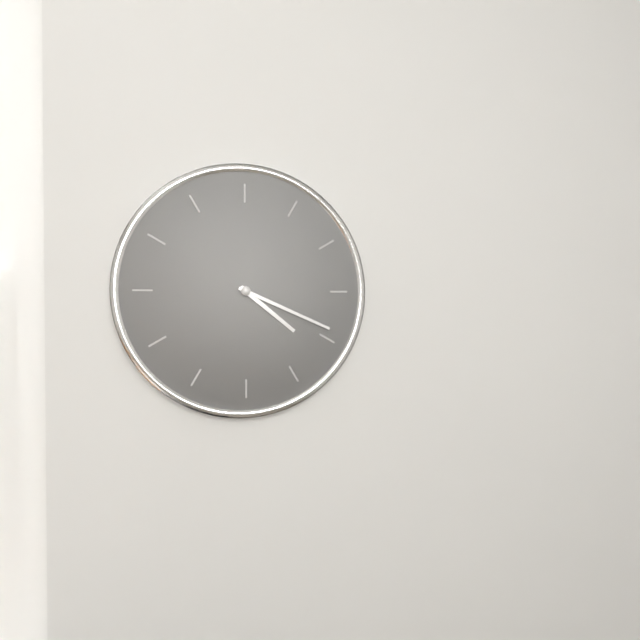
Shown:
4h19
